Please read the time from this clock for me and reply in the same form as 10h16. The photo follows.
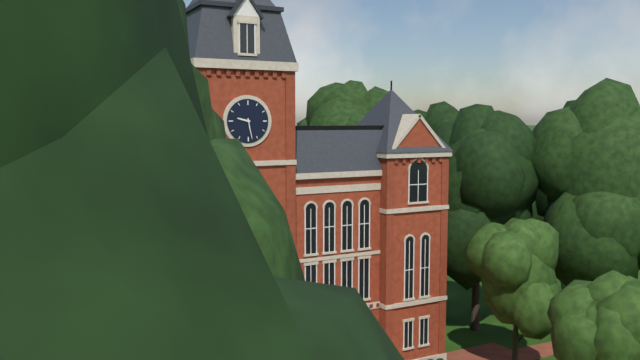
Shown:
9h28
